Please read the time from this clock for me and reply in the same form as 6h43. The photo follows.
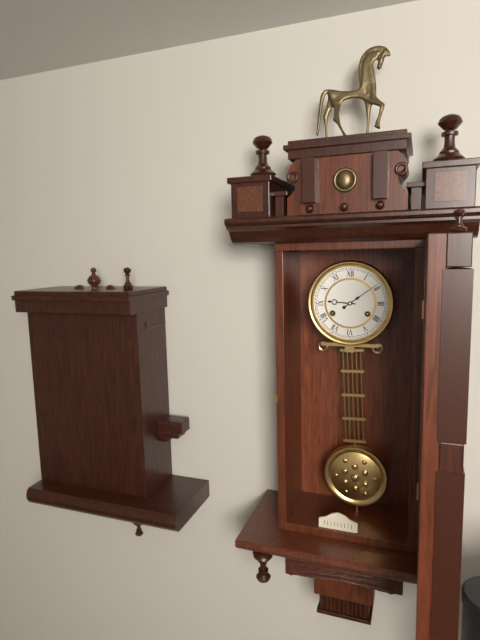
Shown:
9h09
